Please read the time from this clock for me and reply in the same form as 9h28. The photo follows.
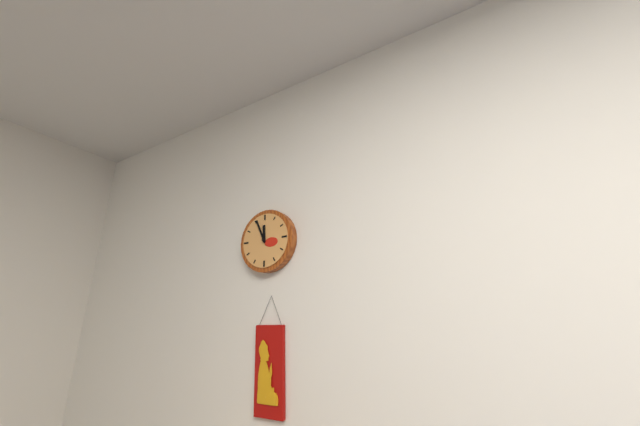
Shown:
11h56
